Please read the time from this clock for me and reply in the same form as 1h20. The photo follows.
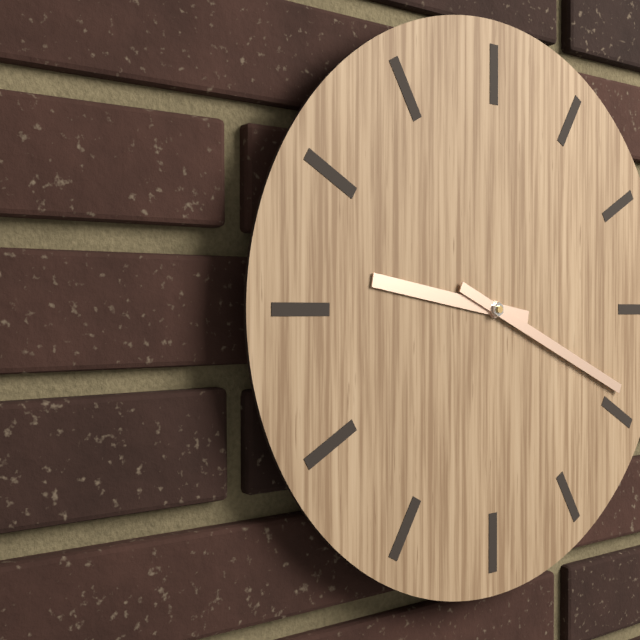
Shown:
9h19
